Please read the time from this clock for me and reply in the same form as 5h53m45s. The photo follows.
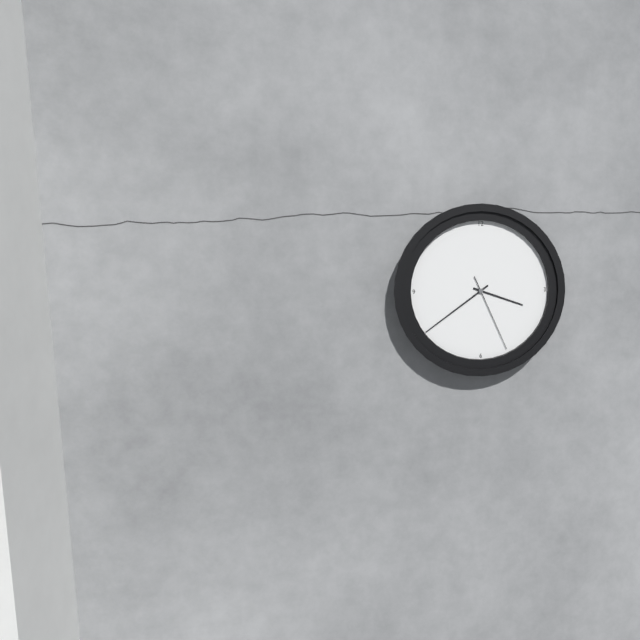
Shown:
3h39m26s
